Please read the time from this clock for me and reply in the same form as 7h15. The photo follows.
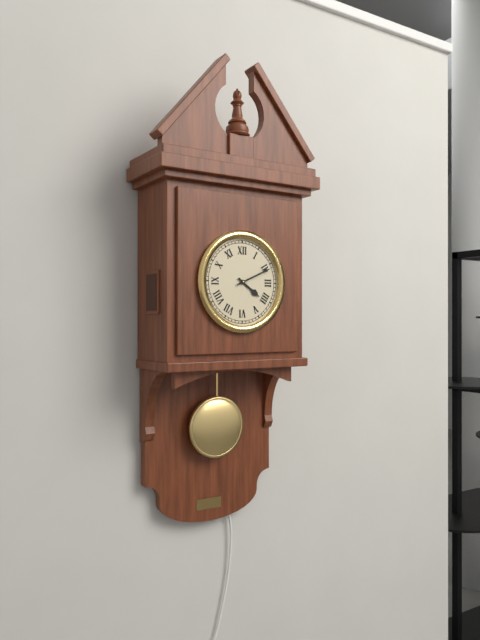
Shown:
4h11
